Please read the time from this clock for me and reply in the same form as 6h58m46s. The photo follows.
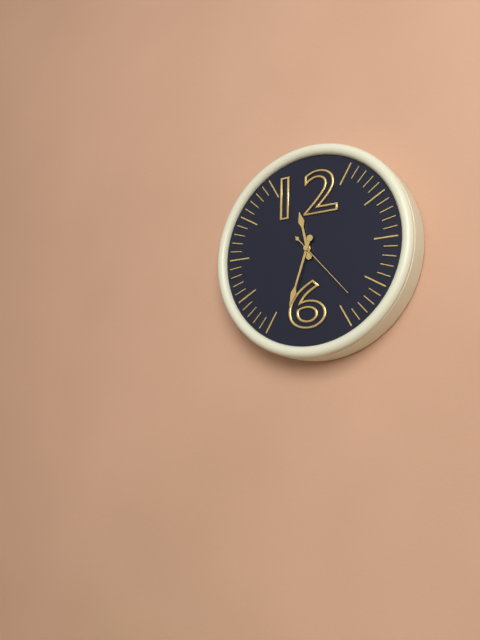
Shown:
11h33m23s
